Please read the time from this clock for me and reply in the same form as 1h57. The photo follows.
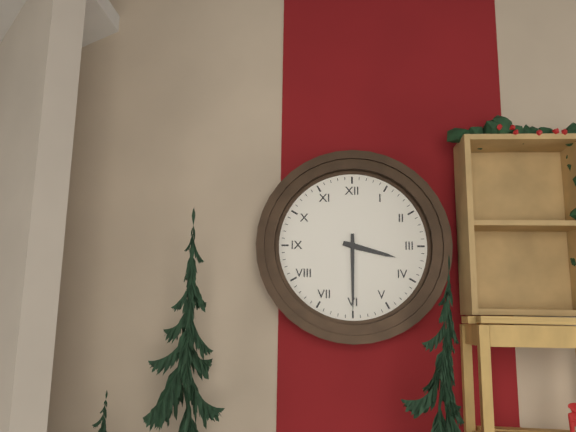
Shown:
3h30
